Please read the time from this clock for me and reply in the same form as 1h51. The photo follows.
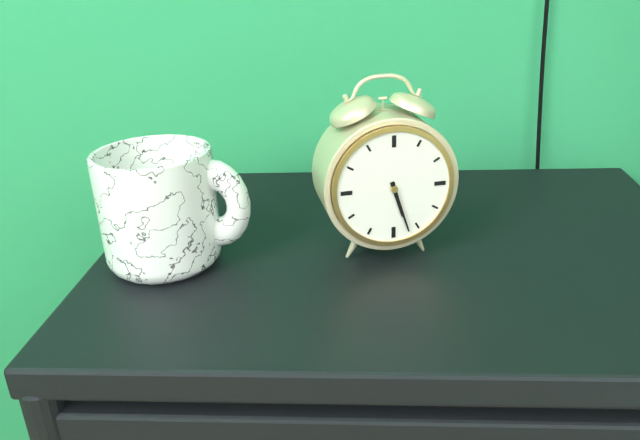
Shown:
5h27
